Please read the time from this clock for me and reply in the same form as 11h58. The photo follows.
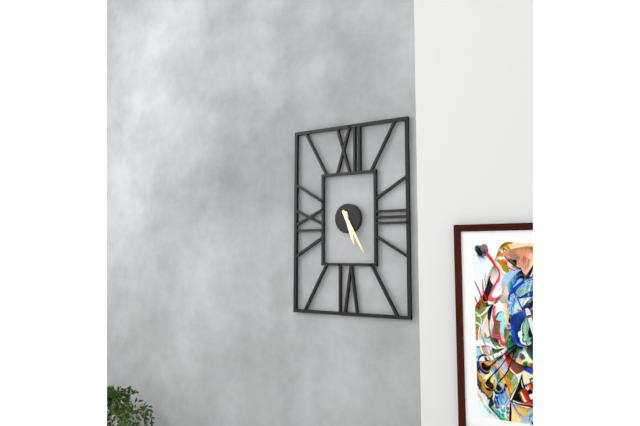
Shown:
5h25
